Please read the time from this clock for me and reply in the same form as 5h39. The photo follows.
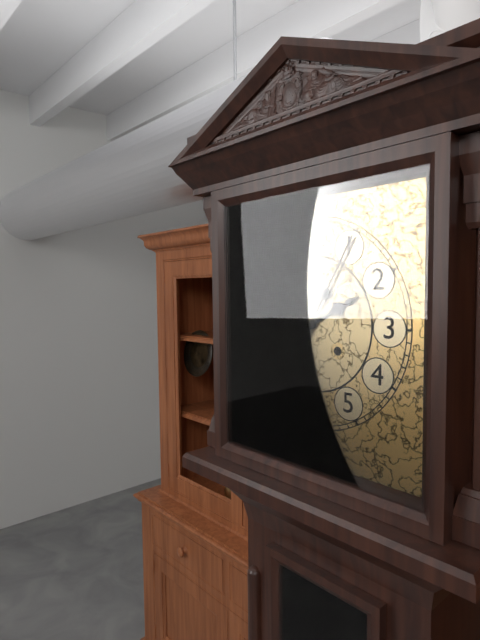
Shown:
2h05
